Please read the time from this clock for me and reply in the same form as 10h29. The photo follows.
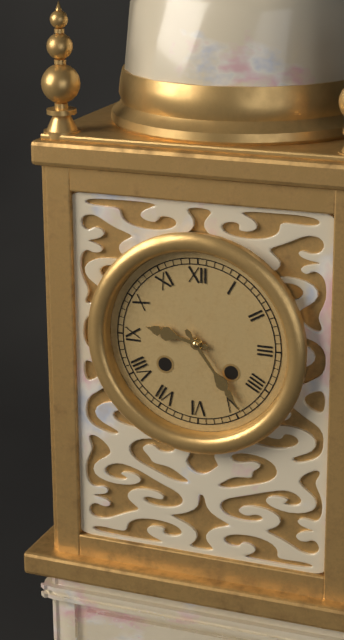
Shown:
9h24
